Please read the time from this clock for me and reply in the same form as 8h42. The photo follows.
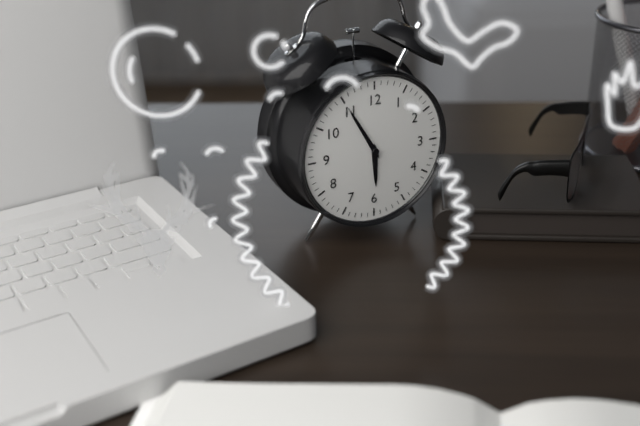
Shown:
5h55
